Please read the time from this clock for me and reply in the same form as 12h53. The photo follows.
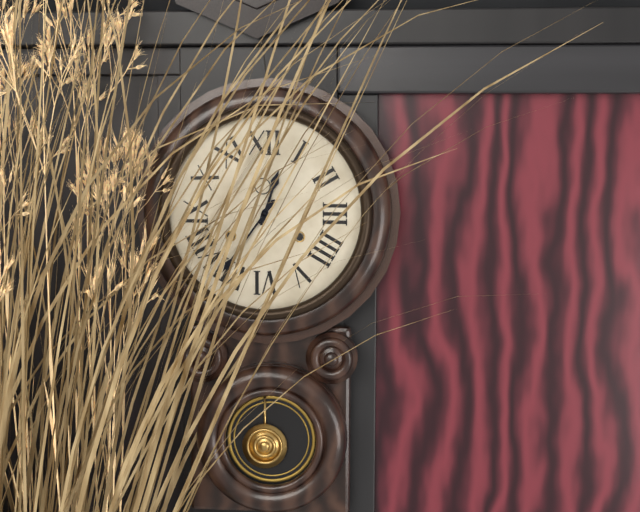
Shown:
12h36
